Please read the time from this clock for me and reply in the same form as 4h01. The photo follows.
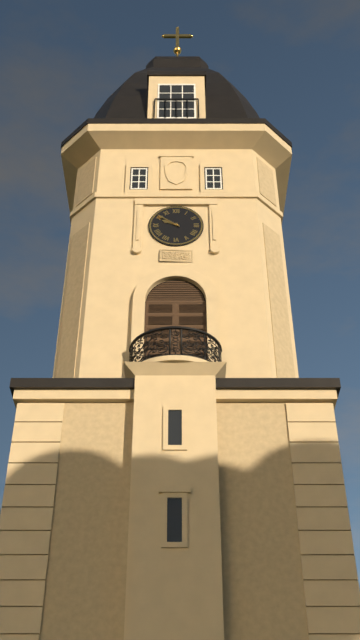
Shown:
9h51
